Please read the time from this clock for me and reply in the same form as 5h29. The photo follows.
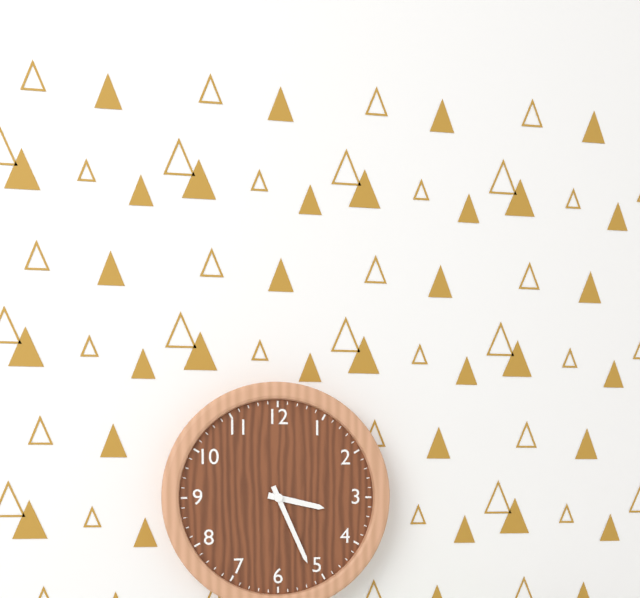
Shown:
3h26
